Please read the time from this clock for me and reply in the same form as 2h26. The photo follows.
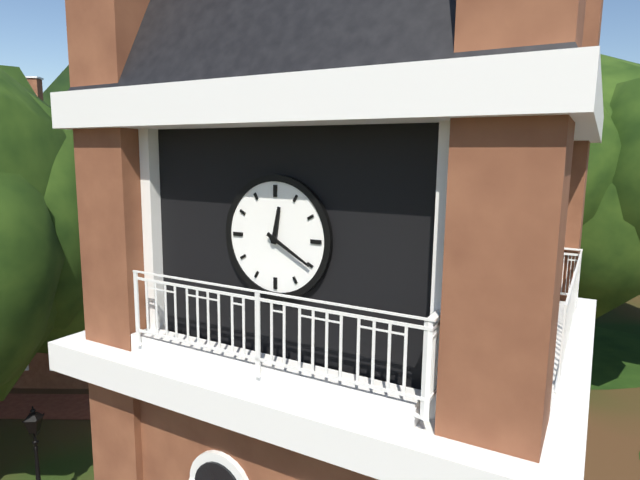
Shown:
12h20
